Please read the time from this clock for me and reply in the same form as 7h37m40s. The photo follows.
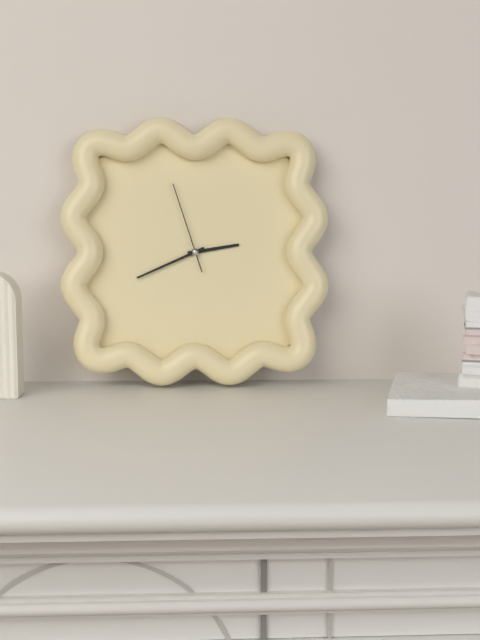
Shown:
2h41m57s
